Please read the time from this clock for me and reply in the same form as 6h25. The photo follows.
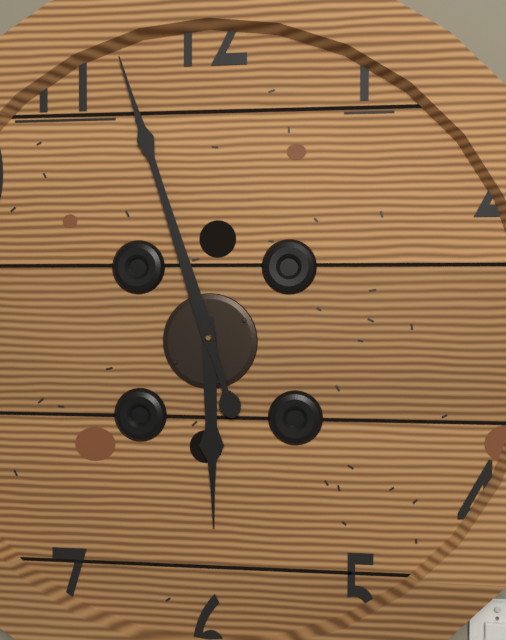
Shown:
5h57
